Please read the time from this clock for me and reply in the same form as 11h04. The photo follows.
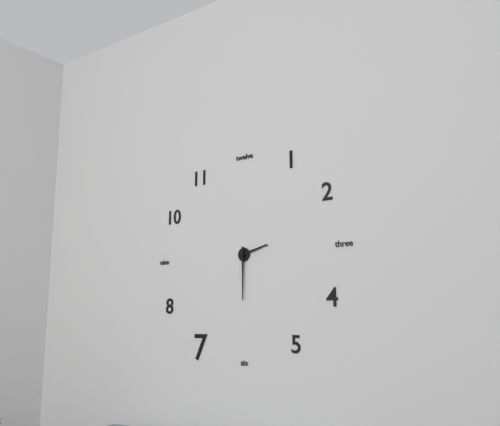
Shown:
2h30
